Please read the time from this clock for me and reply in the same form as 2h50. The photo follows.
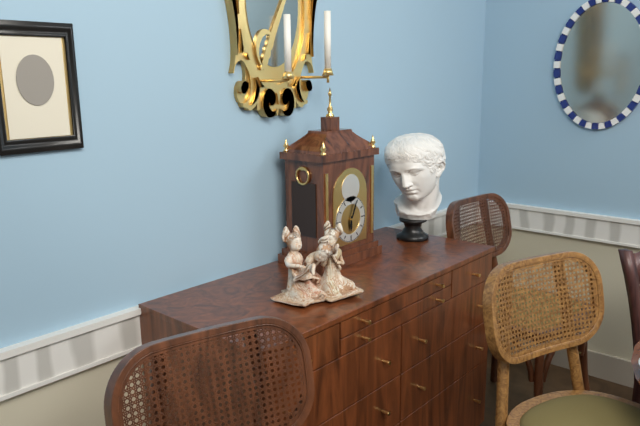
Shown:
6h04
